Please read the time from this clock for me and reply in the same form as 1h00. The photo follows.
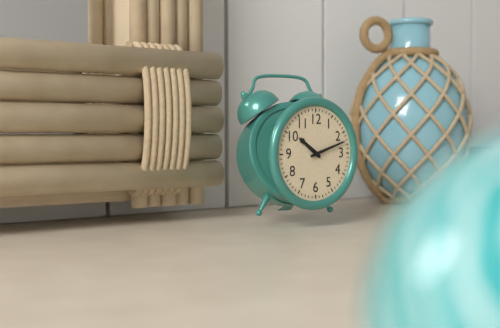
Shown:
10h12
